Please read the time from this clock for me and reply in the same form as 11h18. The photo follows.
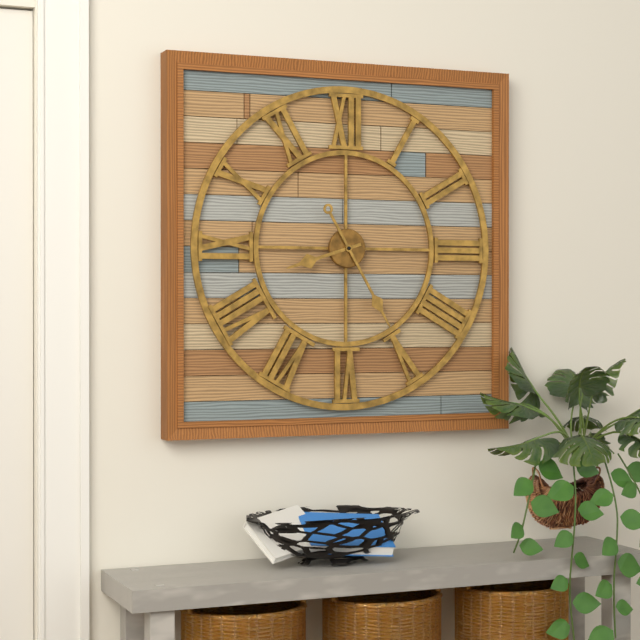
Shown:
8h25
